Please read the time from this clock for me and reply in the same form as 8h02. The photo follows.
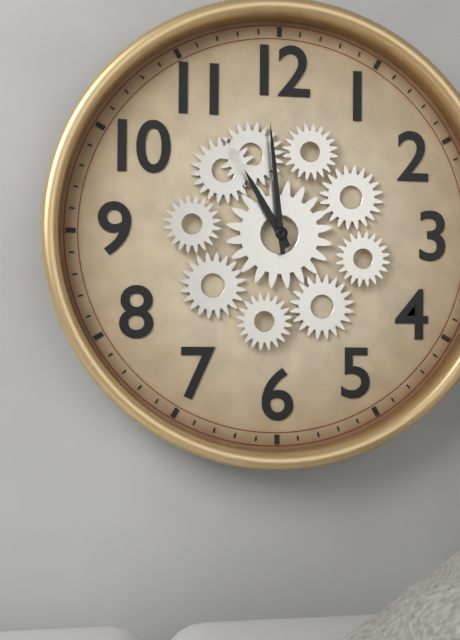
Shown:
10h59
